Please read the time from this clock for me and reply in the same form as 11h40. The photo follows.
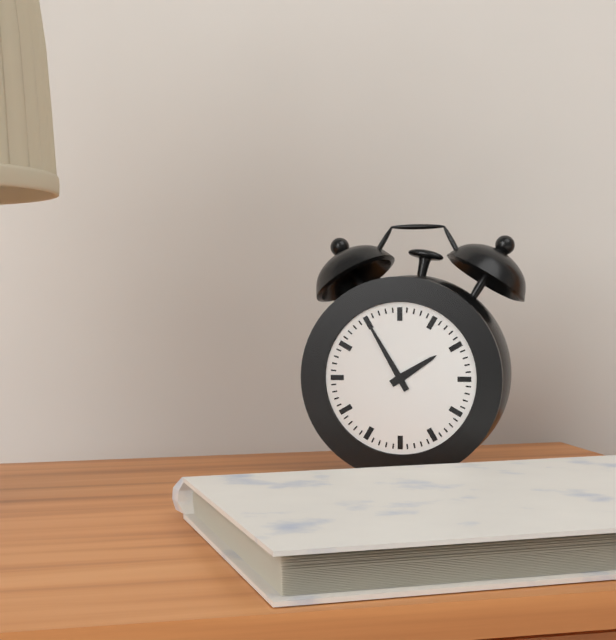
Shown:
1h55
